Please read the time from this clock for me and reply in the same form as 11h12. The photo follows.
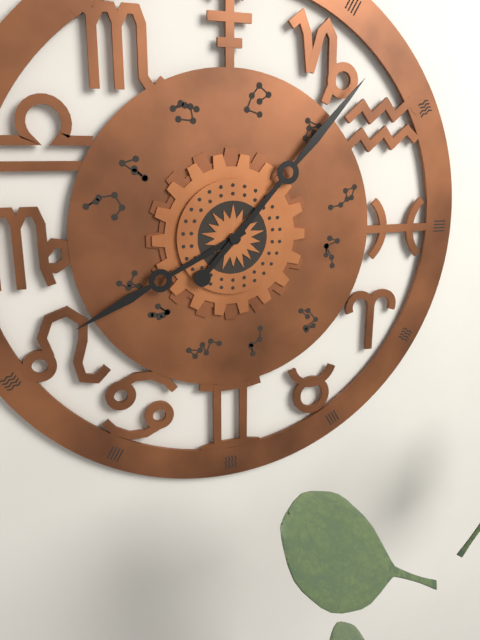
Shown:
8h07
